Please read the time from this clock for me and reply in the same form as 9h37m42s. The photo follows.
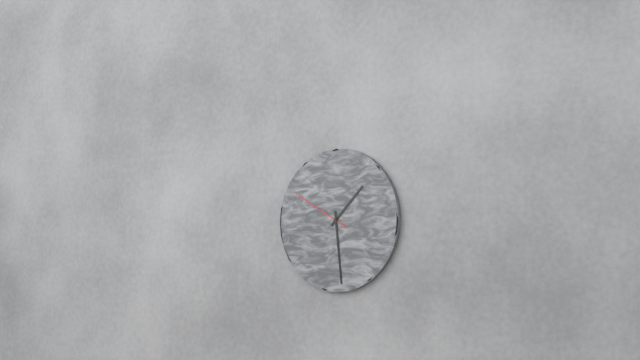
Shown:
1h29m50s
